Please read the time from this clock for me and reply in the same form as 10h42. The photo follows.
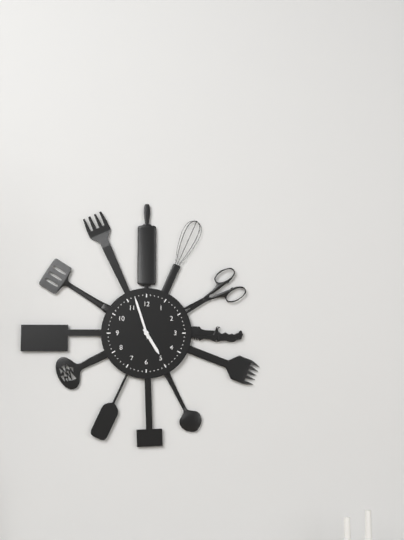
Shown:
4h57
